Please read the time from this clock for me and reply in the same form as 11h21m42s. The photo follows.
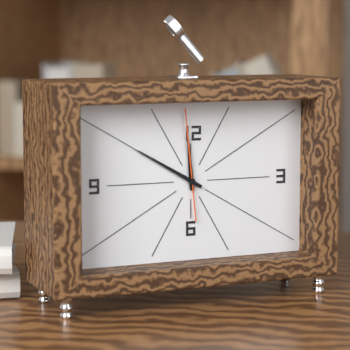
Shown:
11h50m59s
